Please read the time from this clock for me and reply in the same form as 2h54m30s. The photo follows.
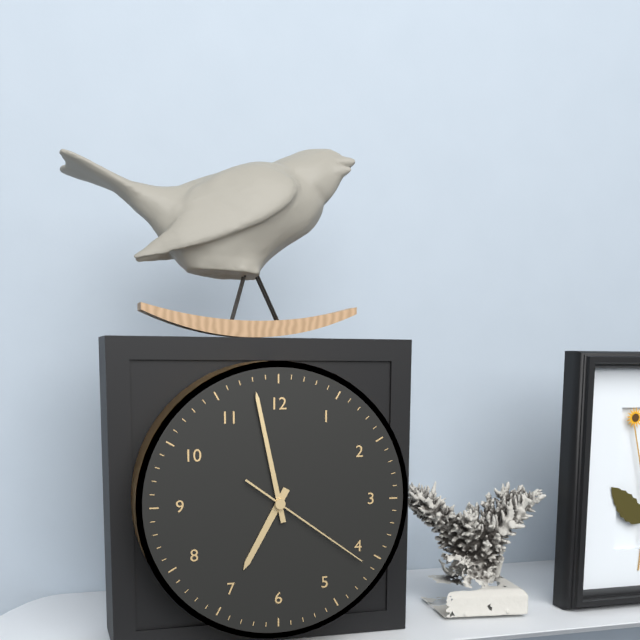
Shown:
6h58m21s
